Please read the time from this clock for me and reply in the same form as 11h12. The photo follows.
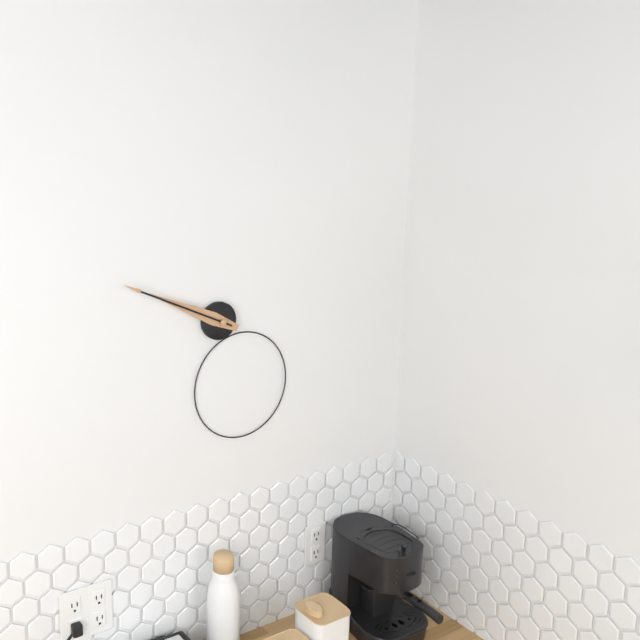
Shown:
9h49
